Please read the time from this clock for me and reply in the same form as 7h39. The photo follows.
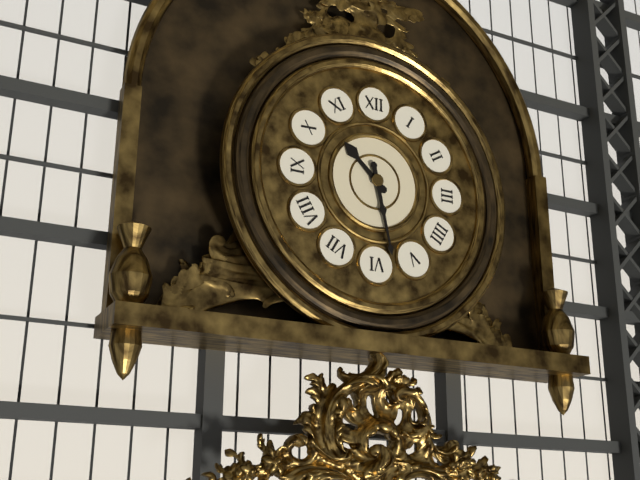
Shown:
10h28
